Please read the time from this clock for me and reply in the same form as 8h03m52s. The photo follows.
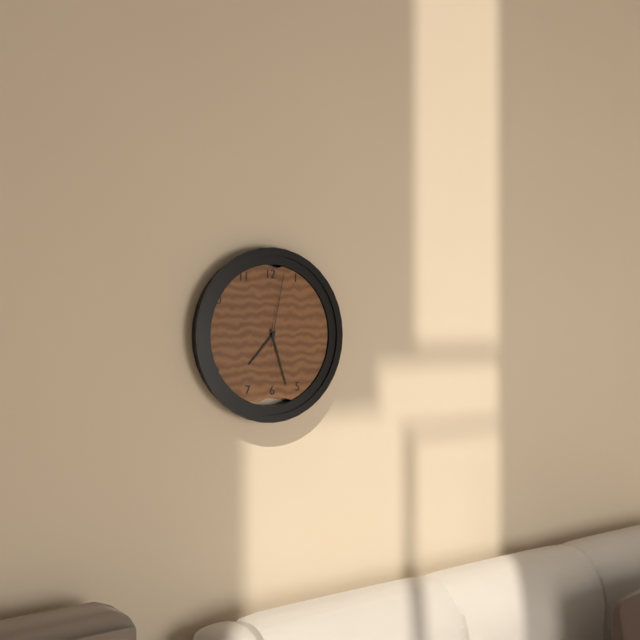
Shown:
7h27m02s
